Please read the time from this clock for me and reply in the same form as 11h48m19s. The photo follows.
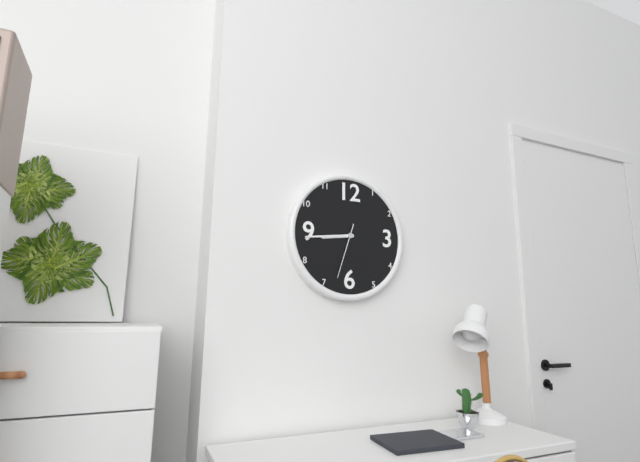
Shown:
8h44m33s
